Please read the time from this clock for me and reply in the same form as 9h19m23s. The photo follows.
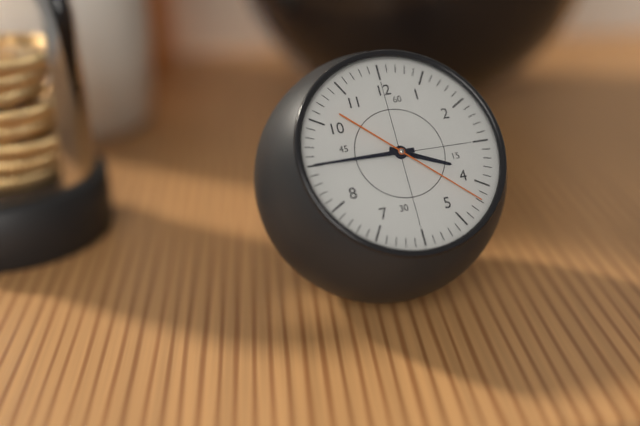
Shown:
3h45m22s
